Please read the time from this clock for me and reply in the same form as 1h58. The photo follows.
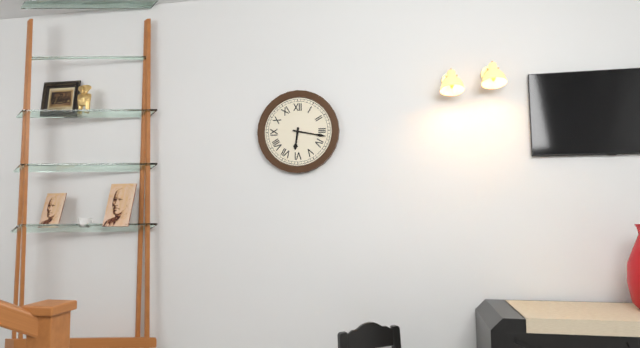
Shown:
6h17
